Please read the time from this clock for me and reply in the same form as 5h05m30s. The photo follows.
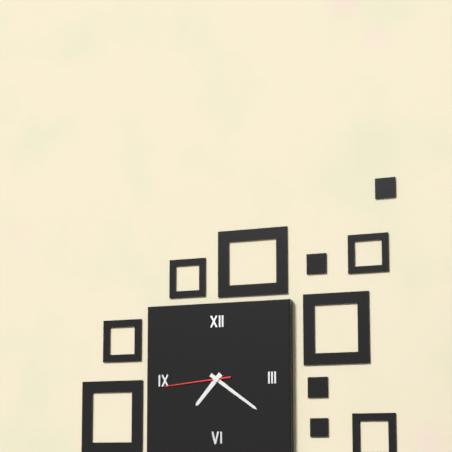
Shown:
7h21m44s
